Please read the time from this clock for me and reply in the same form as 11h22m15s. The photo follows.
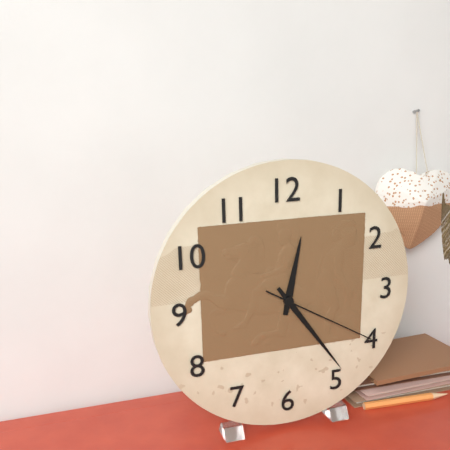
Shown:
12h24m20s
